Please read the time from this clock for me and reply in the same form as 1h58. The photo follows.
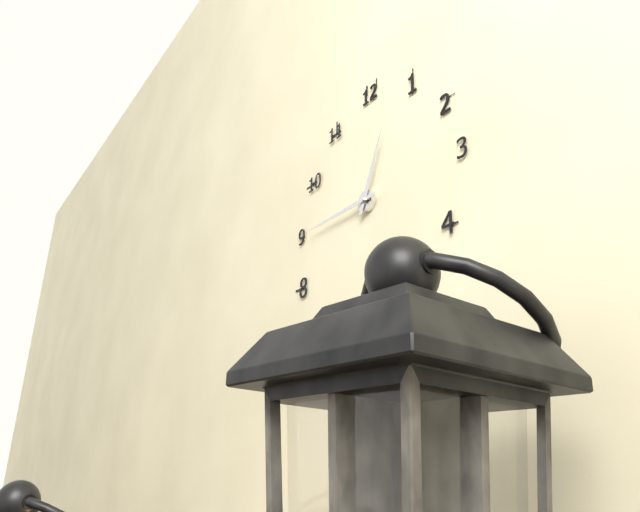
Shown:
12h45
